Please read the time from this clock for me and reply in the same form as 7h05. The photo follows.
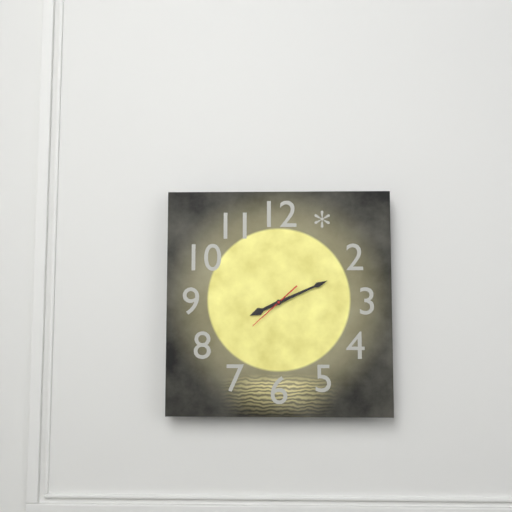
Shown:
8h11
